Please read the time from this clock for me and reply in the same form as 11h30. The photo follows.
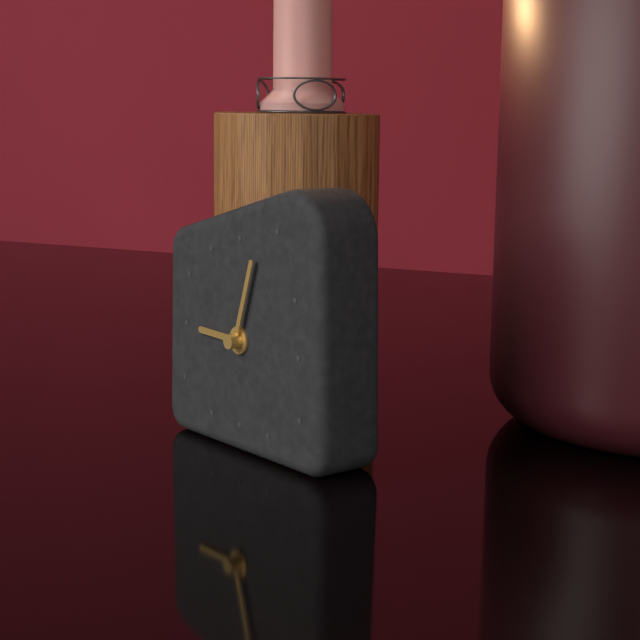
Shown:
9h03
